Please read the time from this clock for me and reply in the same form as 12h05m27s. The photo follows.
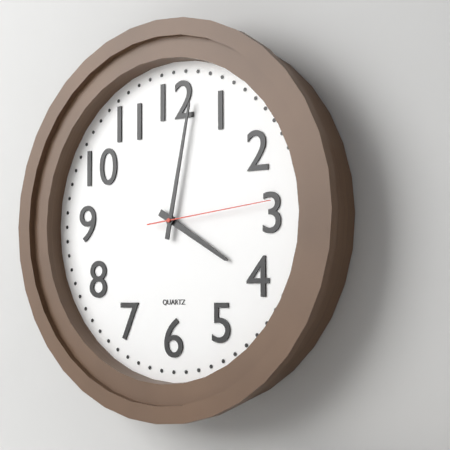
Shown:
4h02m14s
